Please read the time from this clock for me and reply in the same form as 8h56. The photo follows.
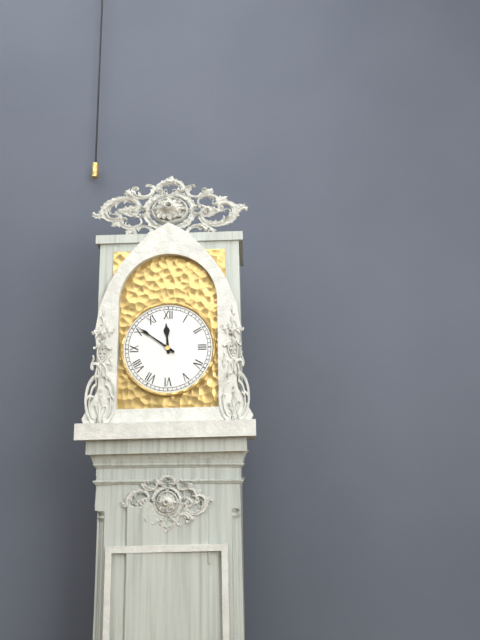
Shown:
11h51
